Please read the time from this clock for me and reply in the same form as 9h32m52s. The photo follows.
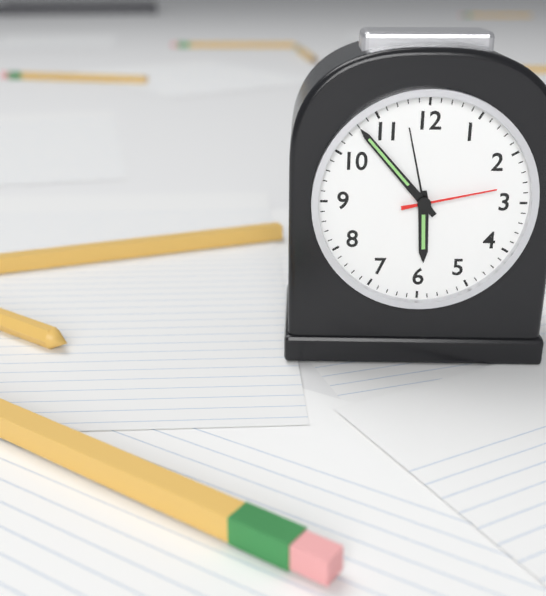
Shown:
5h53m13s
